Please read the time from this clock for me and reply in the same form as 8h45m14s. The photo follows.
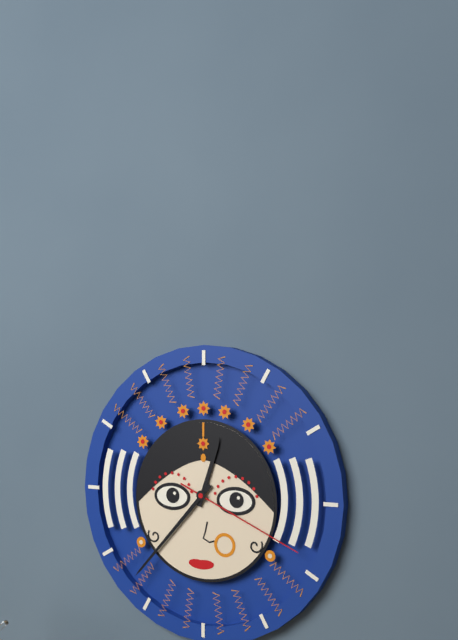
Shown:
12h37m19s
